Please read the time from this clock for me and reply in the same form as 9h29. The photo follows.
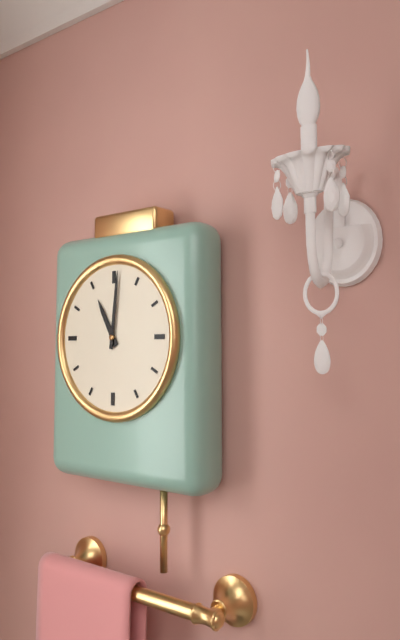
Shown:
11h01
